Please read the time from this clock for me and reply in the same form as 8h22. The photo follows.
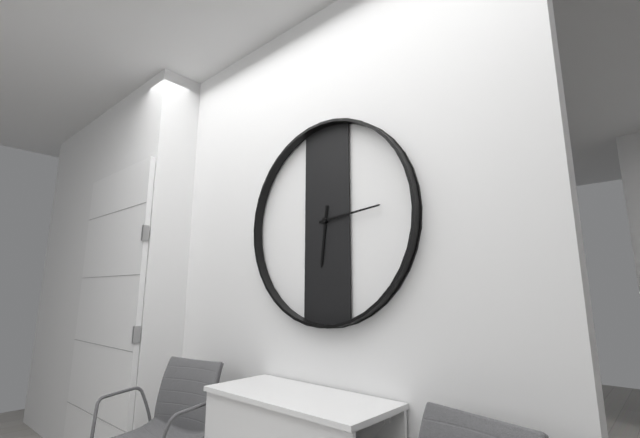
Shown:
6h14
